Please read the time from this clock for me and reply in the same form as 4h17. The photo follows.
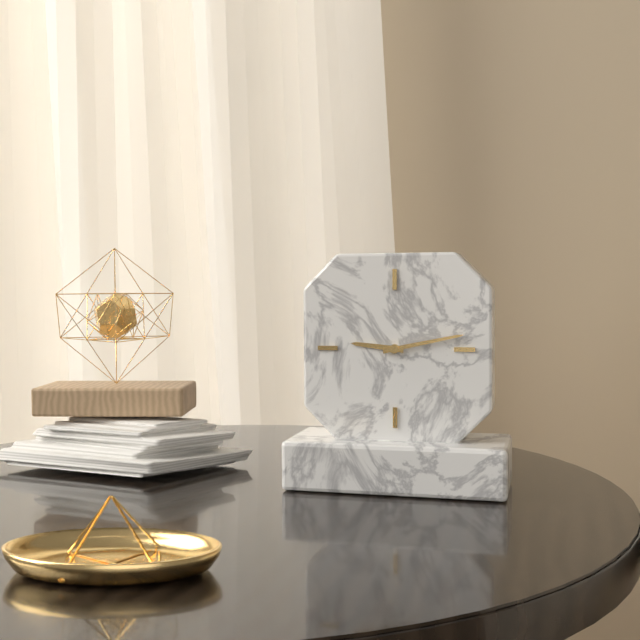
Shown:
9h13
